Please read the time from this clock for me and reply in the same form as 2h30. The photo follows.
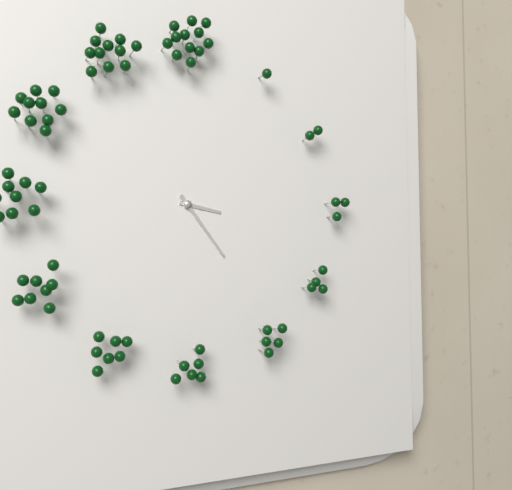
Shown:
3h24
